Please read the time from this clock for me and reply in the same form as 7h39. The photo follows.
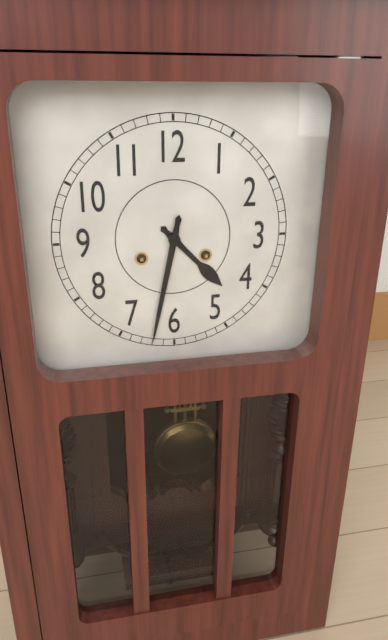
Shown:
4h32
